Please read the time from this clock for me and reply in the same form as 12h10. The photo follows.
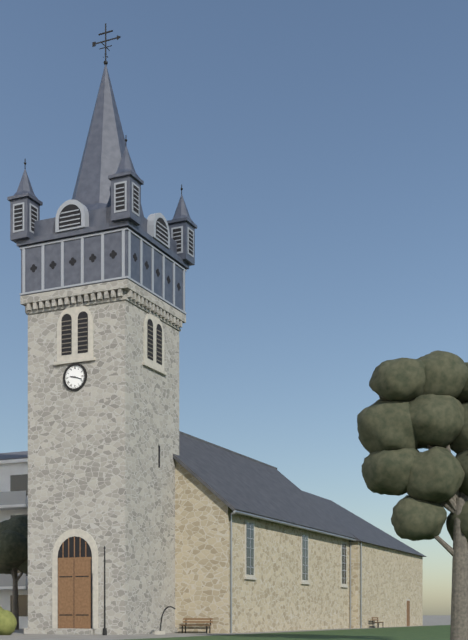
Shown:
9h18
